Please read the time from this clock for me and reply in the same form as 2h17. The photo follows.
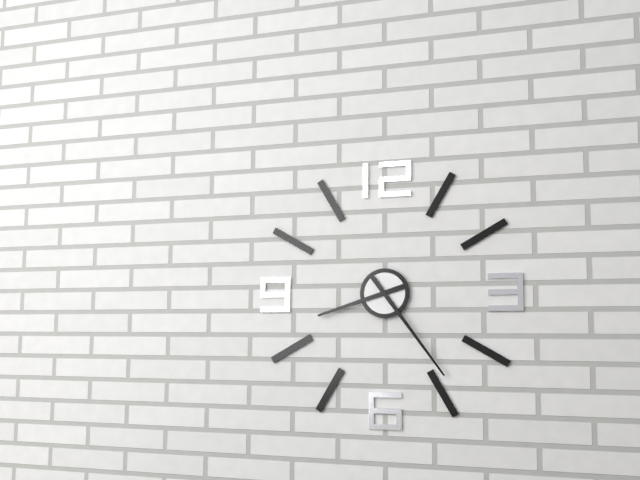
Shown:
8h24
